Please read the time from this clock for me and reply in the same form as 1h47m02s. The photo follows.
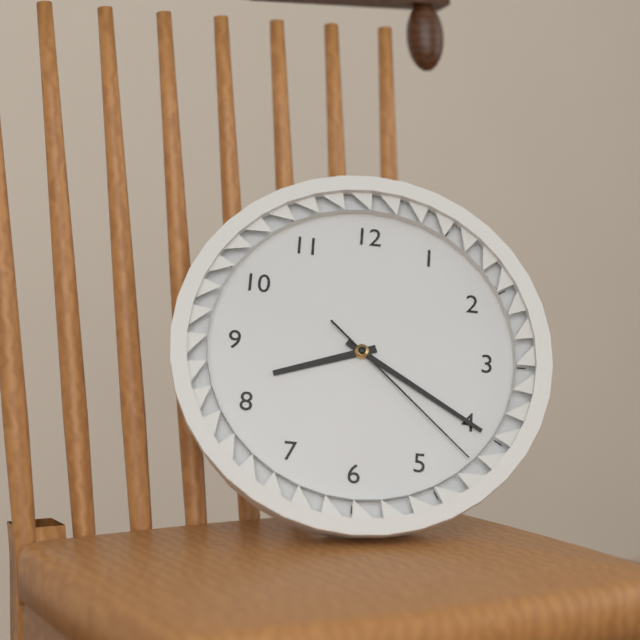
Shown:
8h20m22s
